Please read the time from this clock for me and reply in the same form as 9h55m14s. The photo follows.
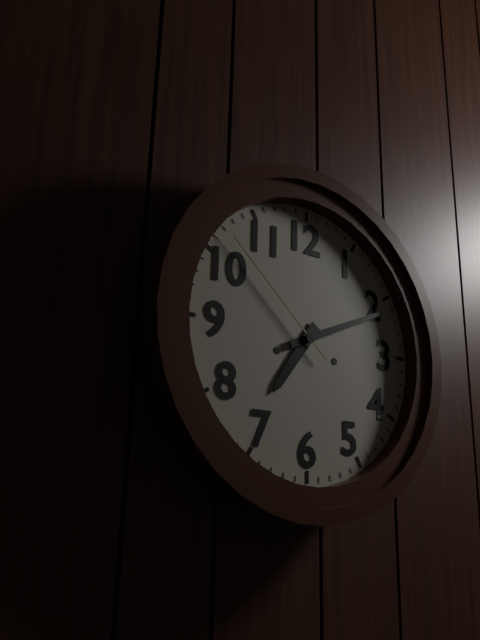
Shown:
7h11m52s
